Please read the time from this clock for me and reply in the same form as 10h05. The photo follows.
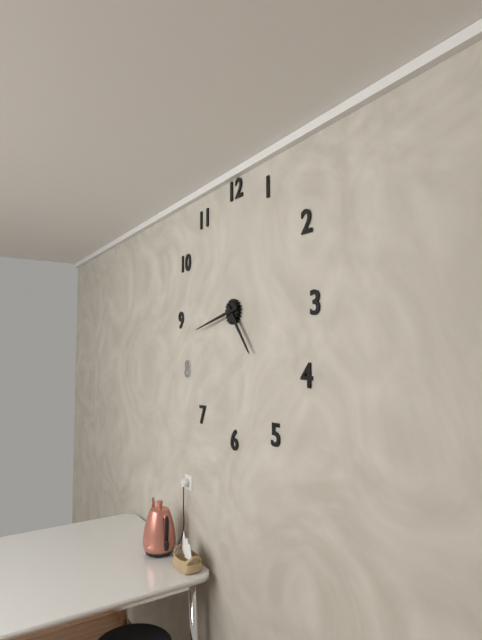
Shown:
4h43
